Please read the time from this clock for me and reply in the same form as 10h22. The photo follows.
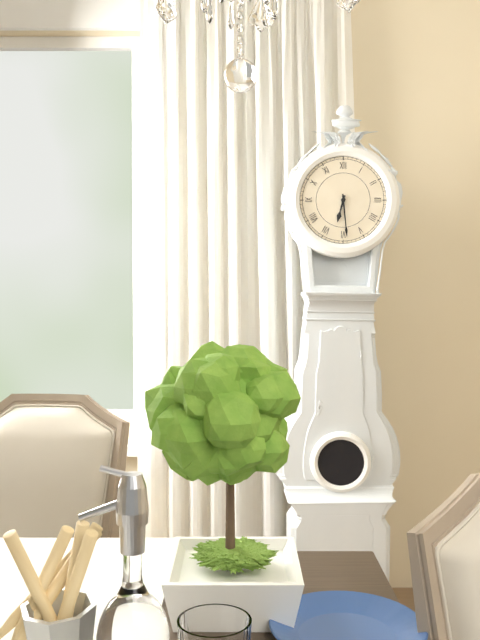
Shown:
6h29
